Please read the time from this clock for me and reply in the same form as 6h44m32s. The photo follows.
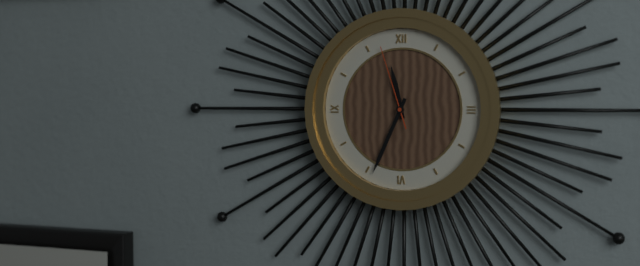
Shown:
11h34m57s
